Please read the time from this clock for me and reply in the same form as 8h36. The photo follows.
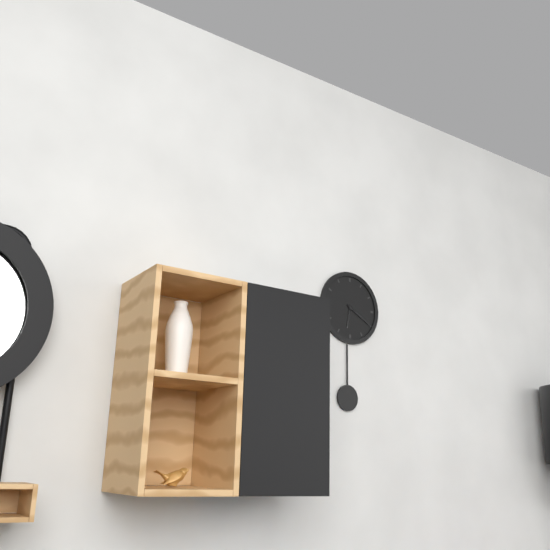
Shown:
6h20
